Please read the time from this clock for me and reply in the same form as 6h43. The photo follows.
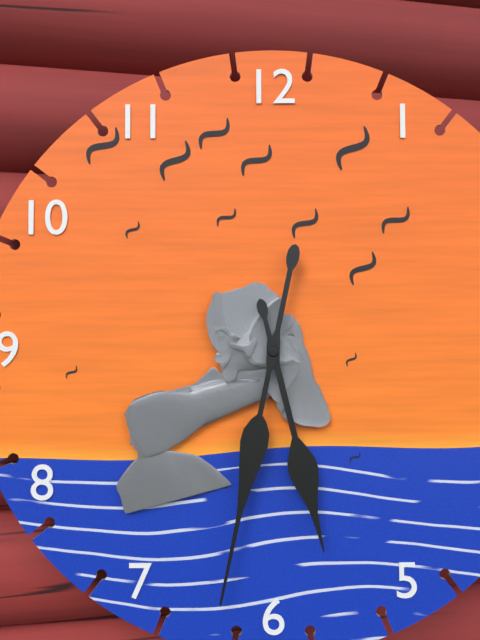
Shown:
5h32
